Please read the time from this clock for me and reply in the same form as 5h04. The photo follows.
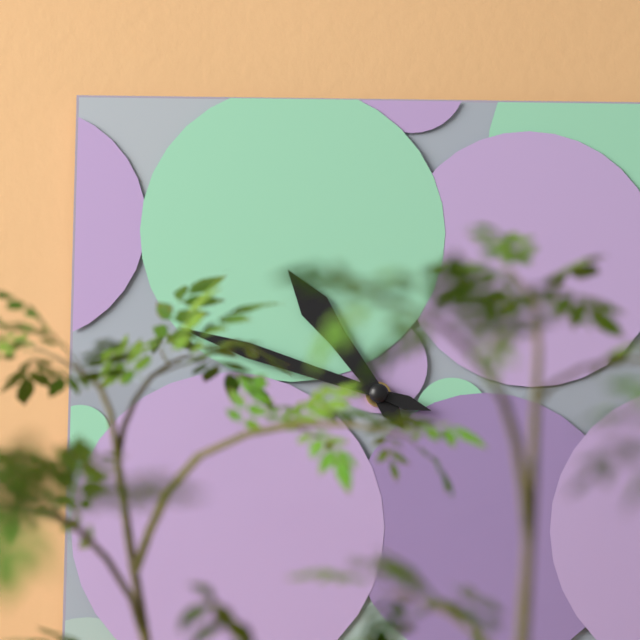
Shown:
10h48
